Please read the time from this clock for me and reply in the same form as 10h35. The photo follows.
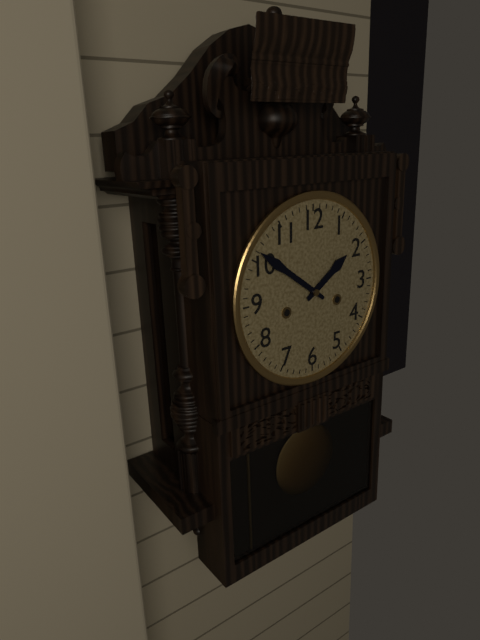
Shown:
1h51
